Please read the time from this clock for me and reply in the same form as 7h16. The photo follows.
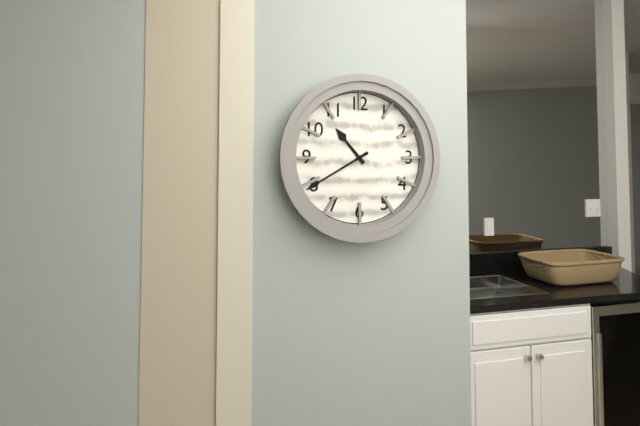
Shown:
10h40
